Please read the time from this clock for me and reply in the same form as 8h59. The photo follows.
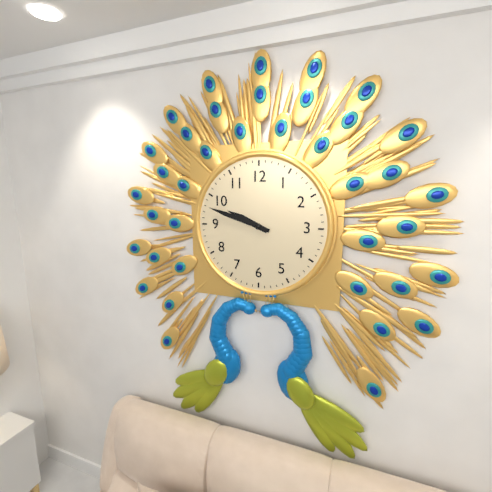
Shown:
9h48
